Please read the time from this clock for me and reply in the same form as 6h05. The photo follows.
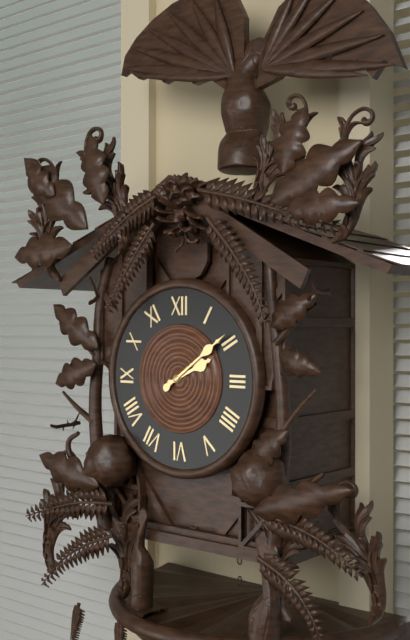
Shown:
2h09
